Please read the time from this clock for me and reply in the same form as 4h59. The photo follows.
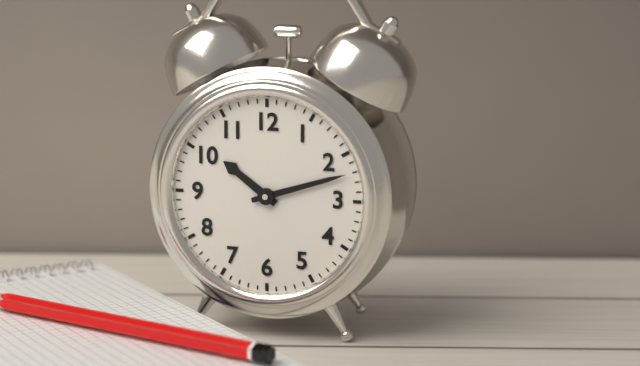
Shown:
10h12
